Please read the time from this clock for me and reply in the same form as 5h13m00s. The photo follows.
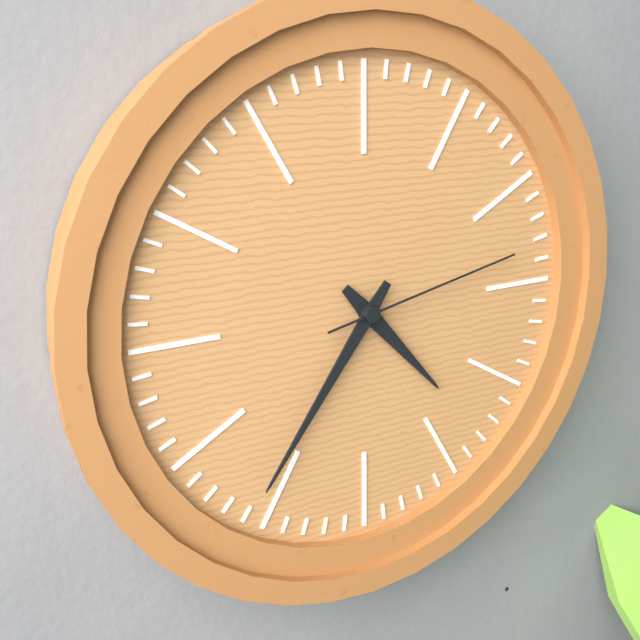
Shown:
4h36m13s
